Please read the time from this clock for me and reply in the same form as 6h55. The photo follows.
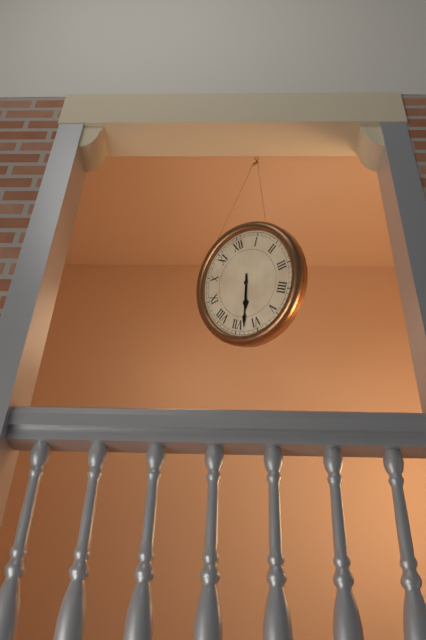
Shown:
6h33
